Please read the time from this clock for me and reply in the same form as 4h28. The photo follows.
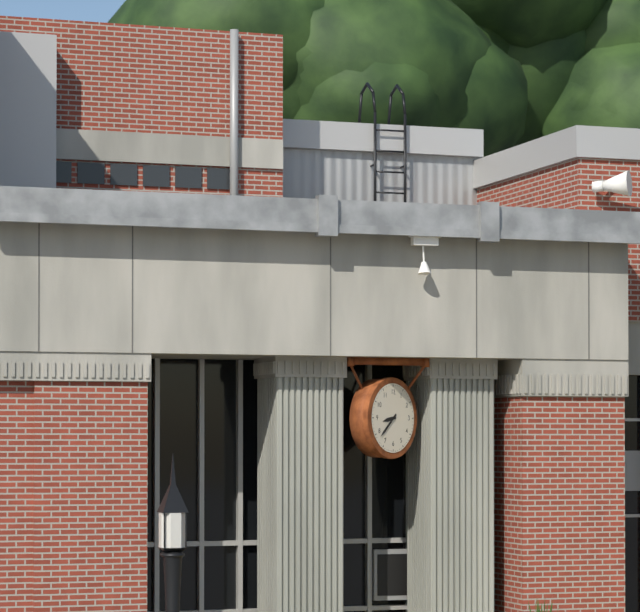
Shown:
8h38
